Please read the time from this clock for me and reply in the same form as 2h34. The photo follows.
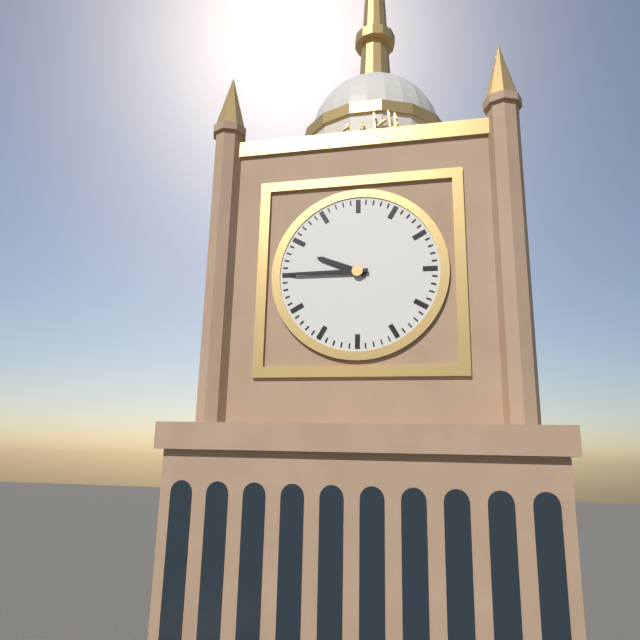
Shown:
9h45
